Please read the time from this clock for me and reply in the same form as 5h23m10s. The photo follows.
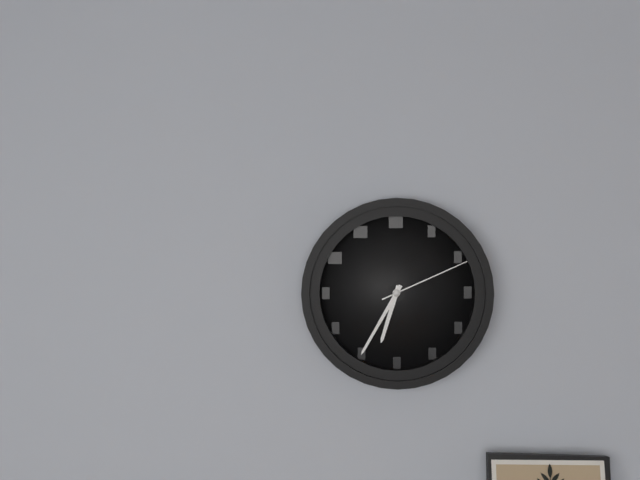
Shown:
6h35m11s
